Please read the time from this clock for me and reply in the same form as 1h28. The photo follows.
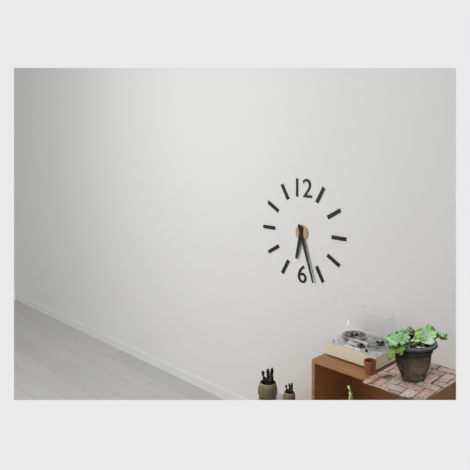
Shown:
6h27
